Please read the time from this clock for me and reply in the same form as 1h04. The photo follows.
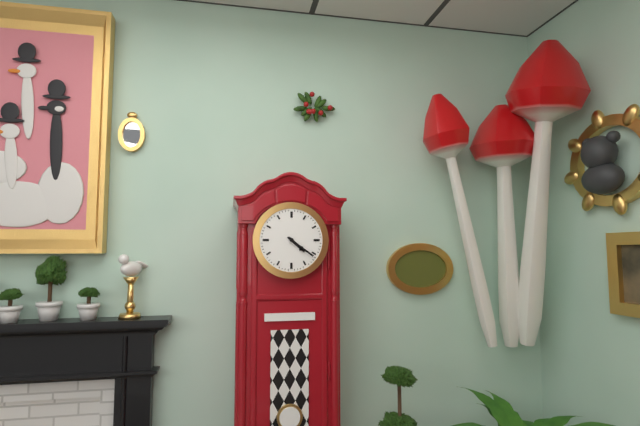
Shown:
4h21
